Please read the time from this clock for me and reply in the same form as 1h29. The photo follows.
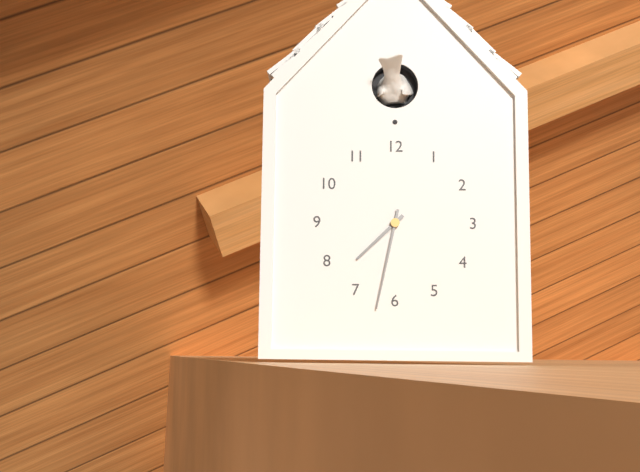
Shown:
7h32
